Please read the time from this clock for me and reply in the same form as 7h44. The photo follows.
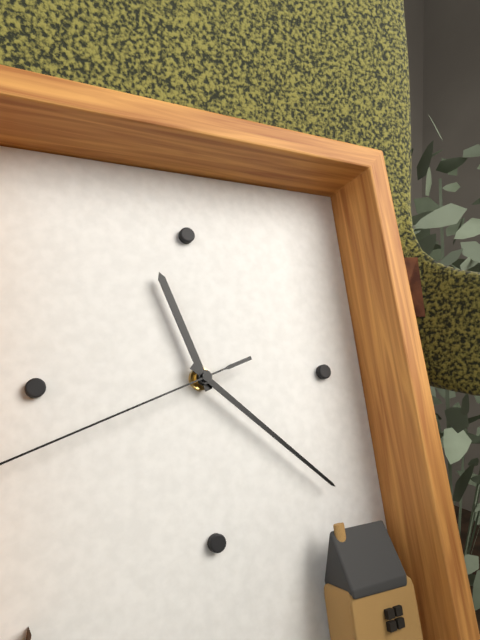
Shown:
11h22
